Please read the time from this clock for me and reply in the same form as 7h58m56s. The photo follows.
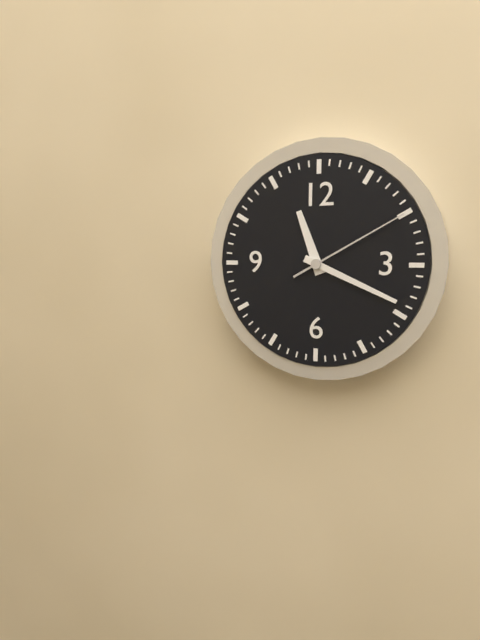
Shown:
11h19m10s
